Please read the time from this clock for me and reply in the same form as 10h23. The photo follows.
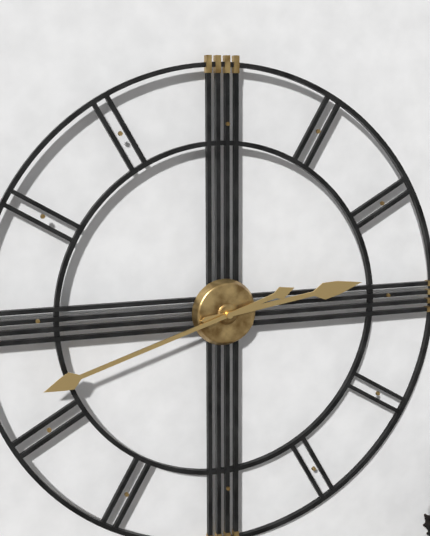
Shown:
2h42
